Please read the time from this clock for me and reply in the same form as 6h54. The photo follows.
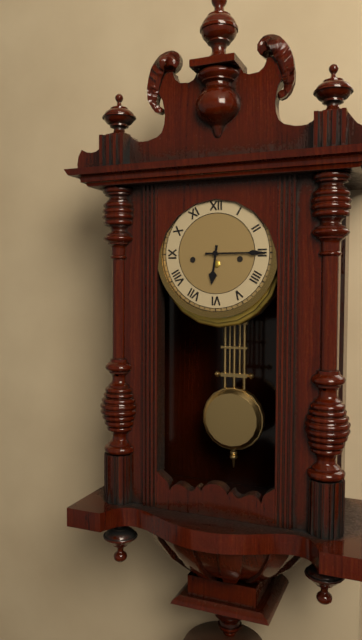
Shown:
6h15
